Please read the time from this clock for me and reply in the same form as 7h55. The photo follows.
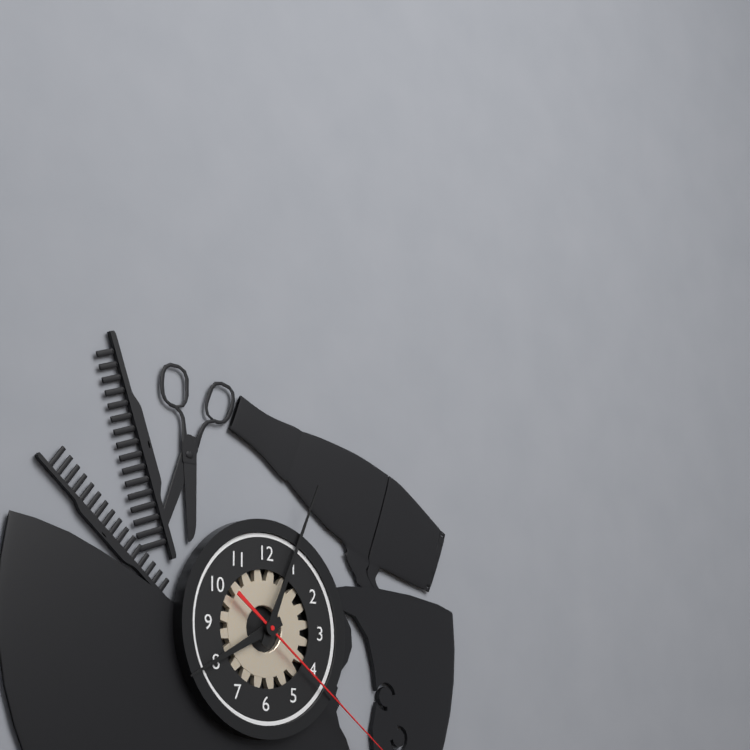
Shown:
8h04
